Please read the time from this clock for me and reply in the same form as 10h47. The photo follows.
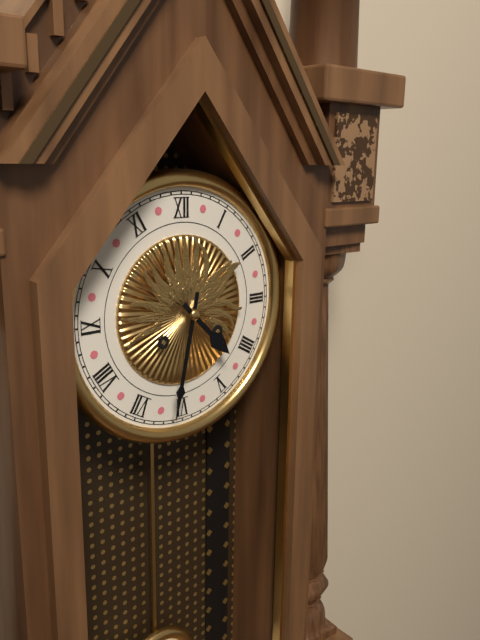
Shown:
4h32
